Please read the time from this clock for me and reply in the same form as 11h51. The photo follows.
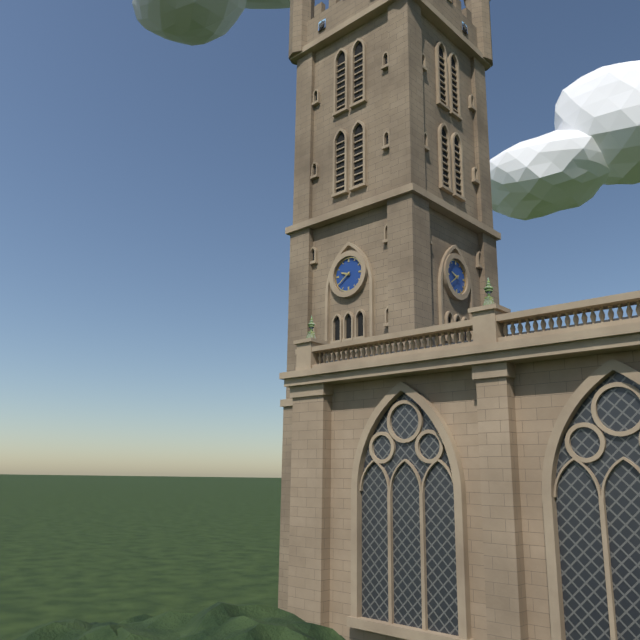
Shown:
9h39
